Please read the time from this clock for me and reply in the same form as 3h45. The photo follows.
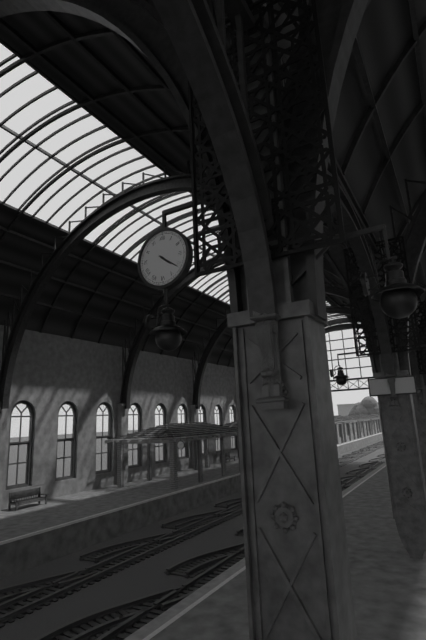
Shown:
4h21
